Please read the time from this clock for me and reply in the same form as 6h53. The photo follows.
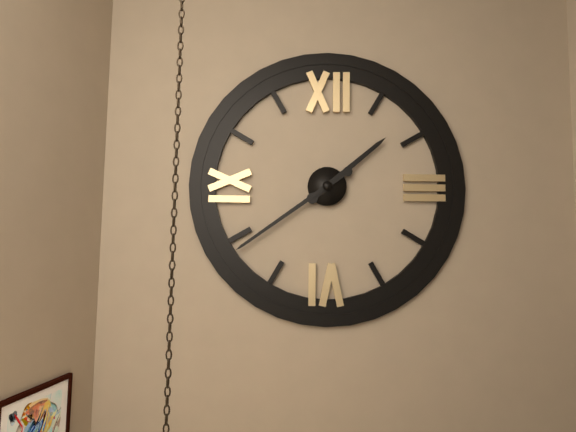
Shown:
1h39
